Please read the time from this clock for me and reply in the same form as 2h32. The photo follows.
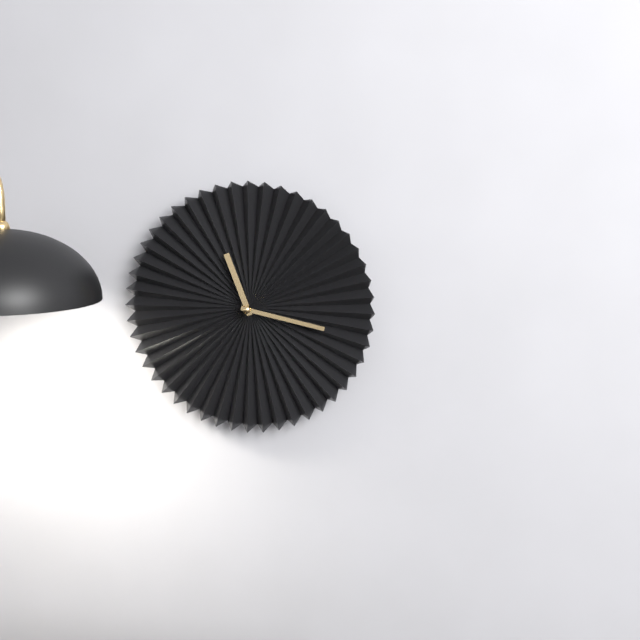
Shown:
11h17
